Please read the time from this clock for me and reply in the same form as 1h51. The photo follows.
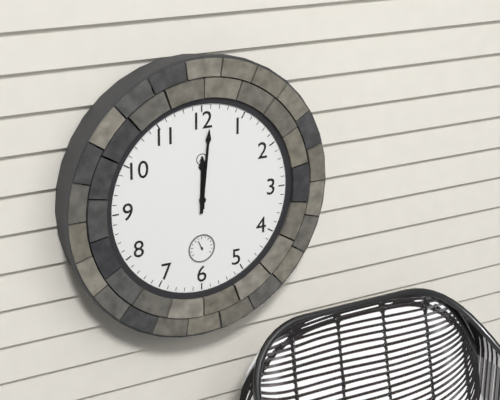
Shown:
12h01
